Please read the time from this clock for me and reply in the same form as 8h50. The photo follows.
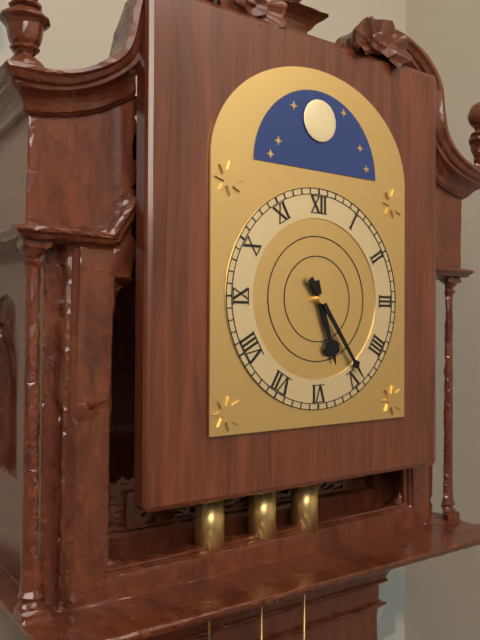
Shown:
5h24
